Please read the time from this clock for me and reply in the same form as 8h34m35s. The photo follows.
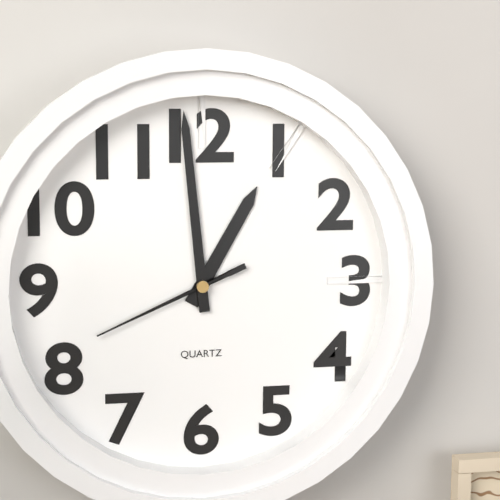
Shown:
12h59m41s
